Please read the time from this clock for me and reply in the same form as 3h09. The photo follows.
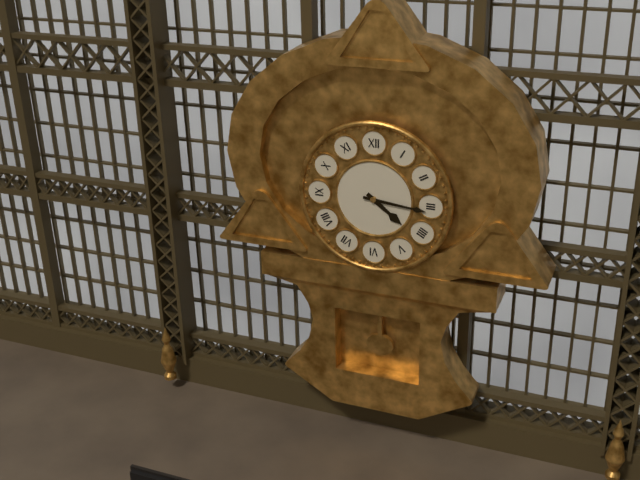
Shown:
4h16
